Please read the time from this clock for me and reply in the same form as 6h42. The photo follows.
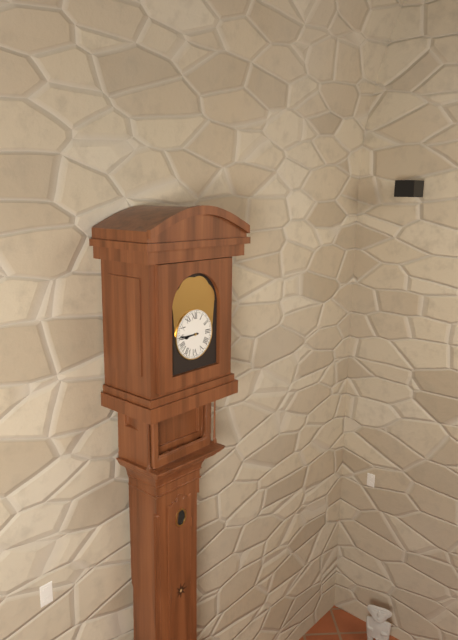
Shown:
8h45
